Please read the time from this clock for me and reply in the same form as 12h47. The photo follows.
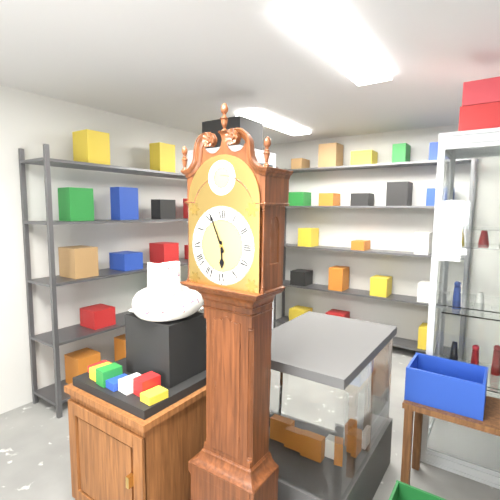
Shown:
5h56
